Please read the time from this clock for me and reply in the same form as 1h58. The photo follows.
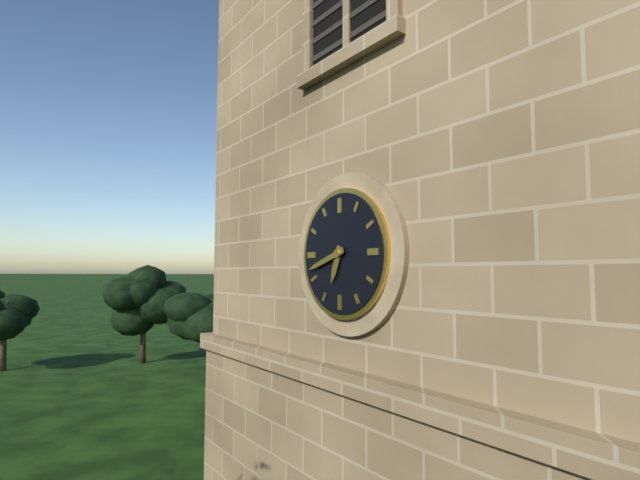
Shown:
6h42
